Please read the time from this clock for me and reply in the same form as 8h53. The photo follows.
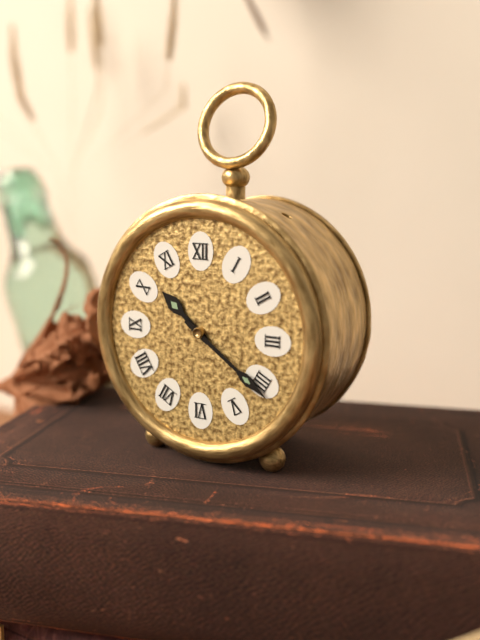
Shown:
10h21
